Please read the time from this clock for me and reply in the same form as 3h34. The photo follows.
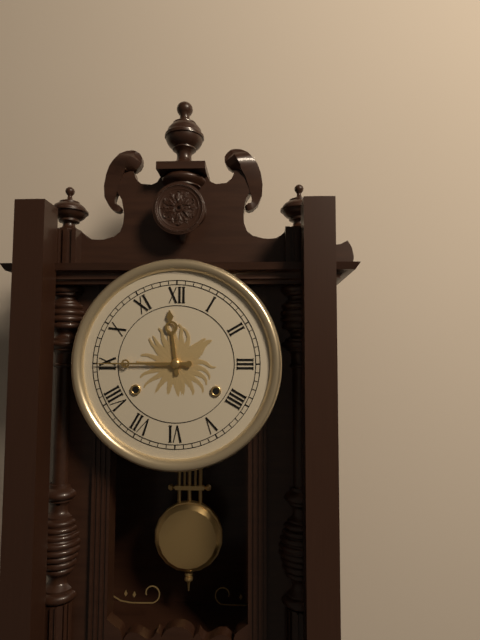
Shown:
11h45
